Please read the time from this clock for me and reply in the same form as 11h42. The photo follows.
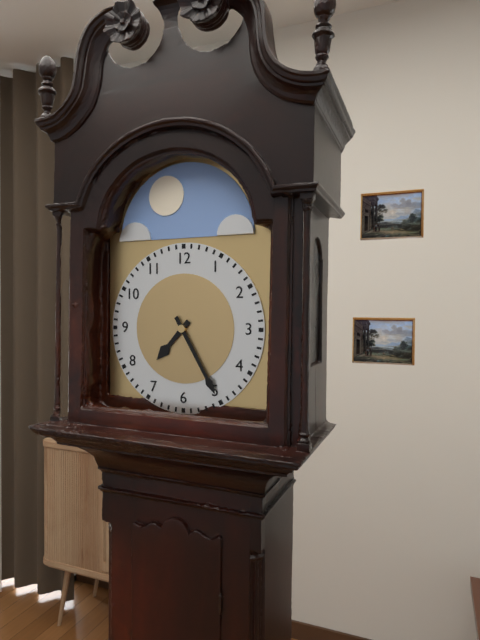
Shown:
7h25
